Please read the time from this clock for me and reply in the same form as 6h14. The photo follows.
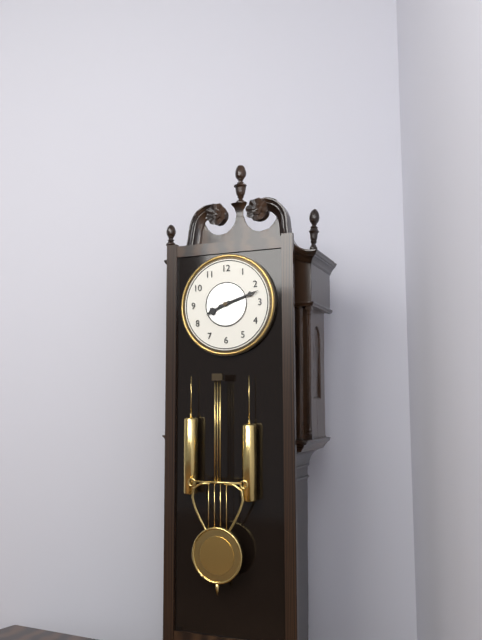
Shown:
8h12
